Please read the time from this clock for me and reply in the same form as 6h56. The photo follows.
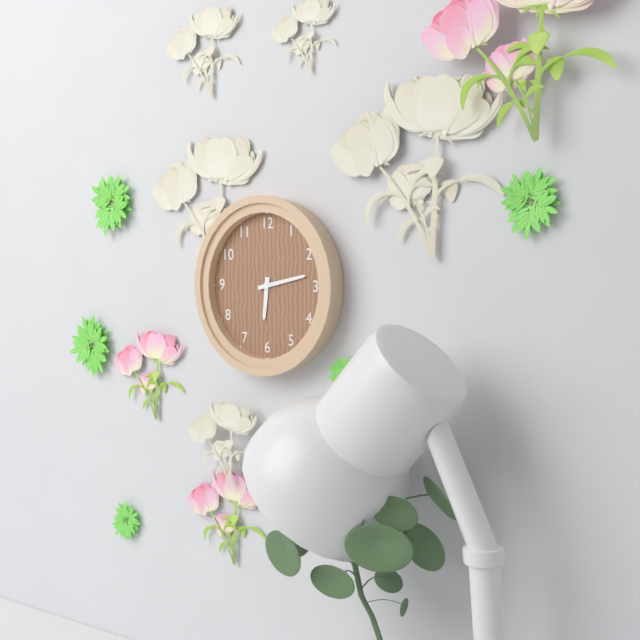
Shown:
6h13
